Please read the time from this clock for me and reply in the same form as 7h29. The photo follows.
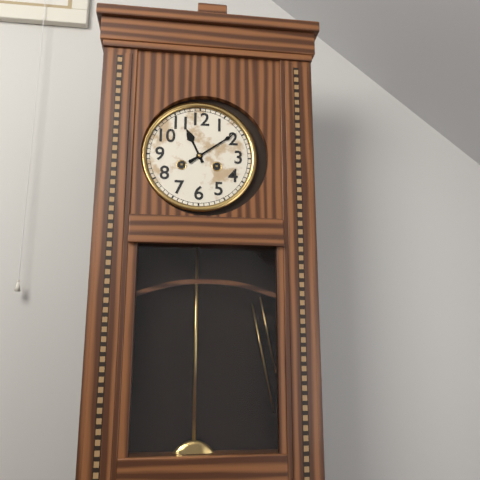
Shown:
11h09
